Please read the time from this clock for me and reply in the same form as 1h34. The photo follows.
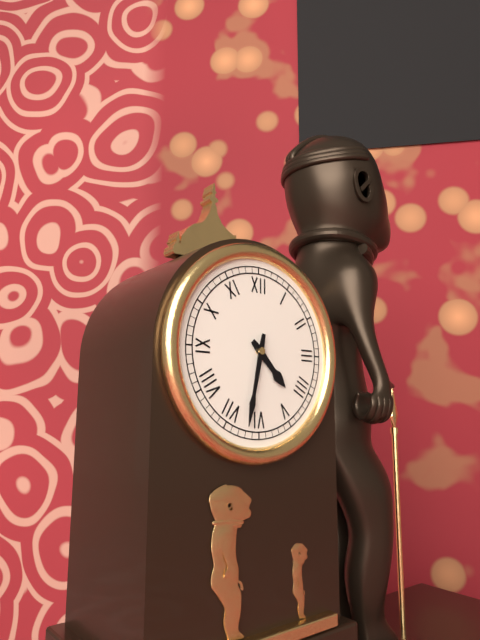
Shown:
4h32
